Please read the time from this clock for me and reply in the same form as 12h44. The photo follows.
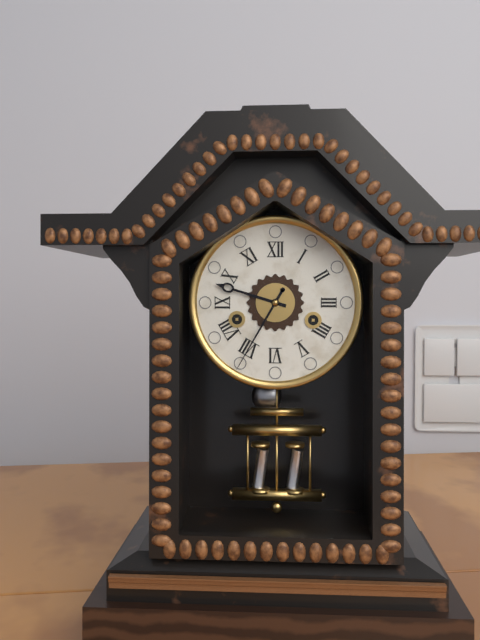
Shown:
9h35
